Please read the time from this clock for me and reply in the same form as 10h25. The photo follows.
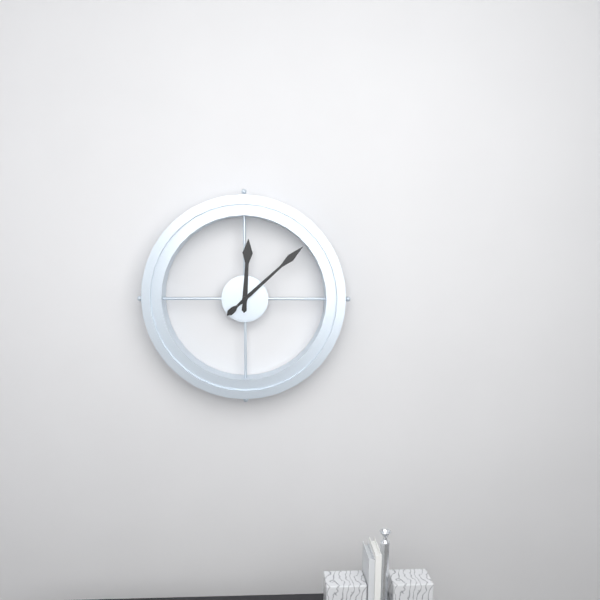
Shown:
12h08
